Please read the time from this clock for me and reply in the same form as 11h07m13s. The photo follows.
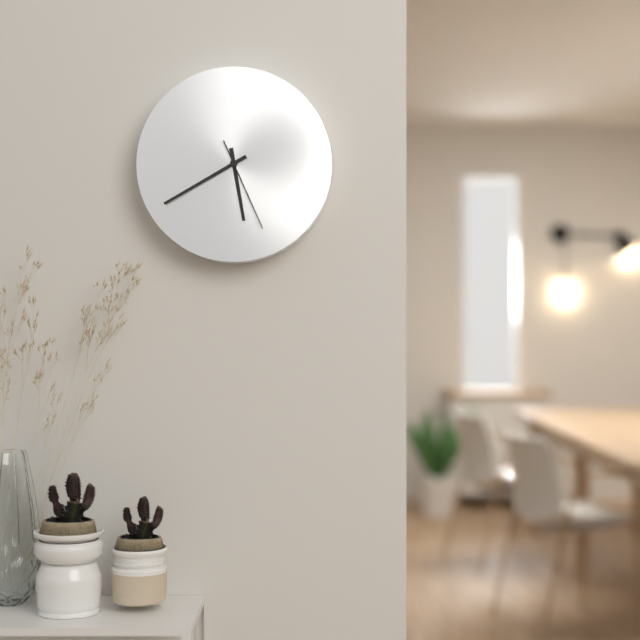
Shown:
5h40m26s
